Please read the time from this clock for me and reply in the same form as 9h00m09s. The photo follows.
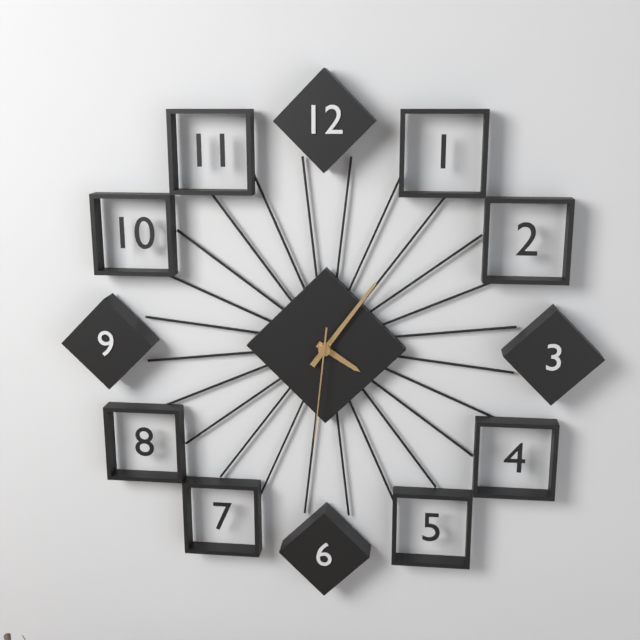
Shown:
4h06m31s
